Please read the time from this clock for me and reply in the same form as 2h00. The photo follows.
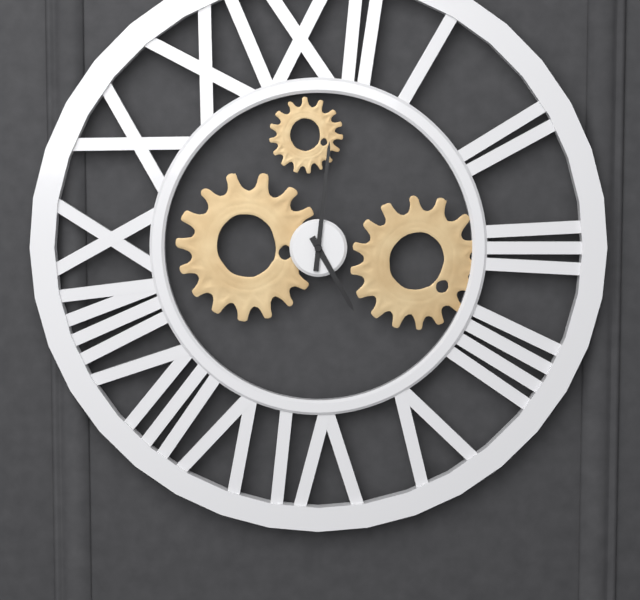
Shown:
5h01
